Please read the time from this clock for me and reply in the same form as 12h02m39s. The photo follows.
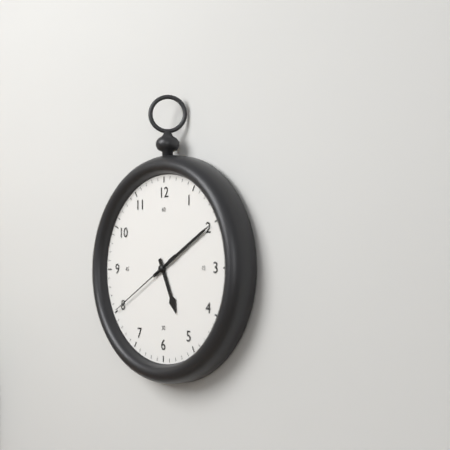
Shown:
5h10m40s
